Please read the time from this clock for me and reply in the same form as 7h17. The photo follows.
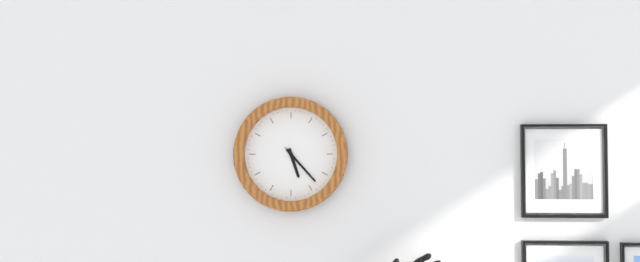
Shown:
5h23
